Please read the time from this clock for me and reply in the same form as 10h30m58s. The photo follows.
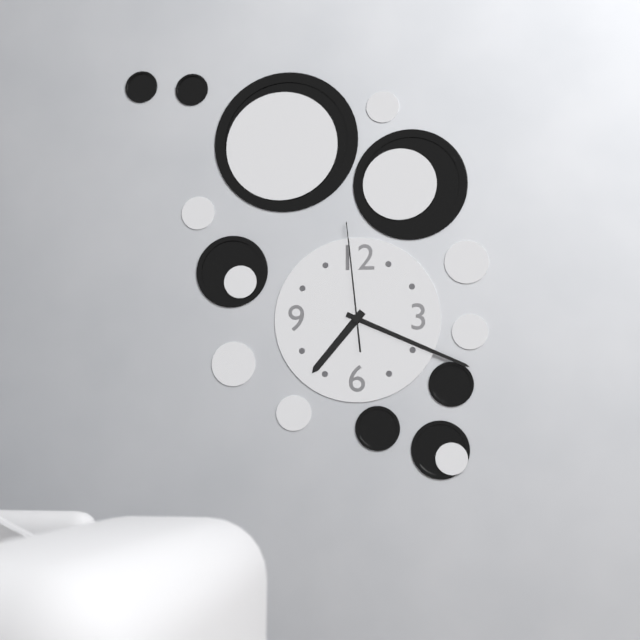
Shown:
7h19m59s
